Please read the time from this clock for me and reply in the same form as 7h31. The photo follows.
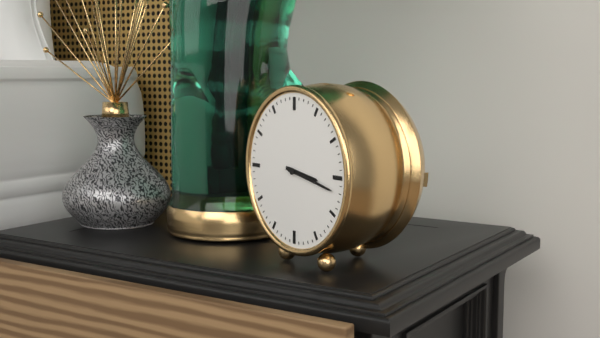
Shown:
3h17
